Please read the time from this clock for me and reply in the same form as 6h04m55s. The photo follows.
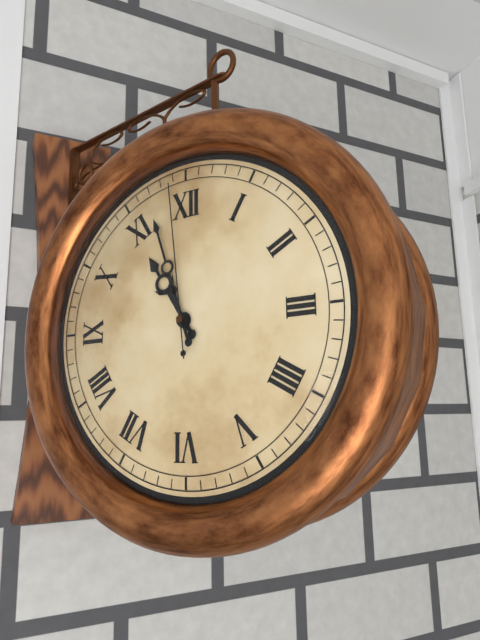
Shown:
10h57m59s
